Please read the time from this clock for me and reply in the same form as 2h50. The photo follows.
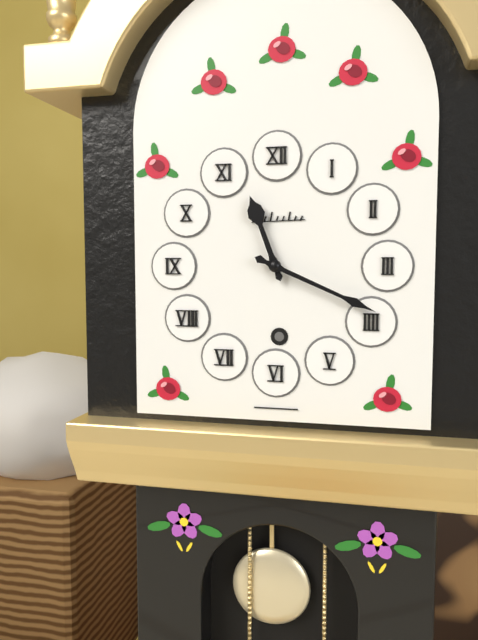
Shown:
11h19
